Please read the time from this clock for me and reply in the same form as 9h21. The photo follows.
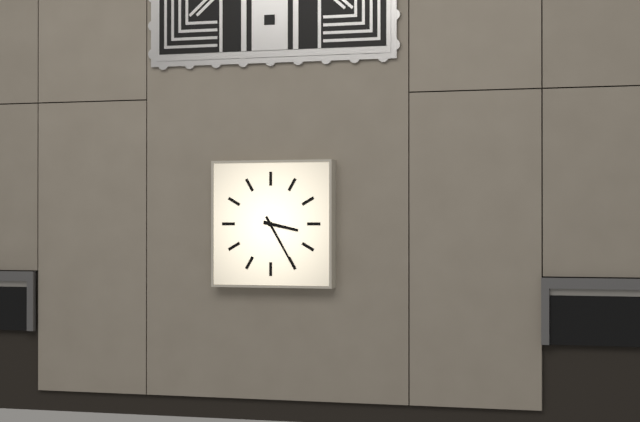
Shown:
3h25
